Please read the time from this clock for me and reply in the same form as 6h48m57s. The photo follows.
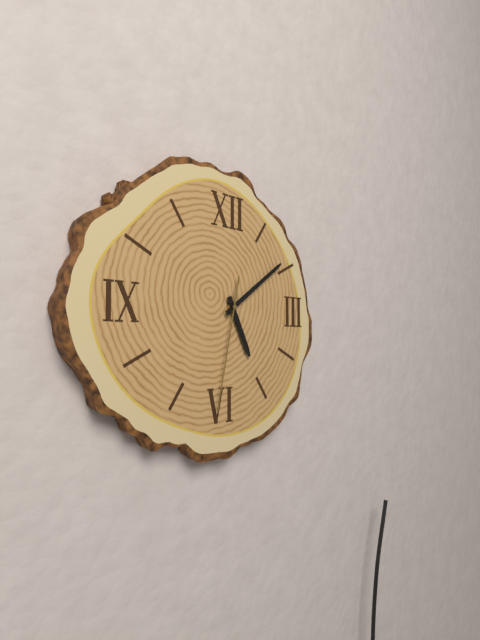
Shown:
5h09m32s
